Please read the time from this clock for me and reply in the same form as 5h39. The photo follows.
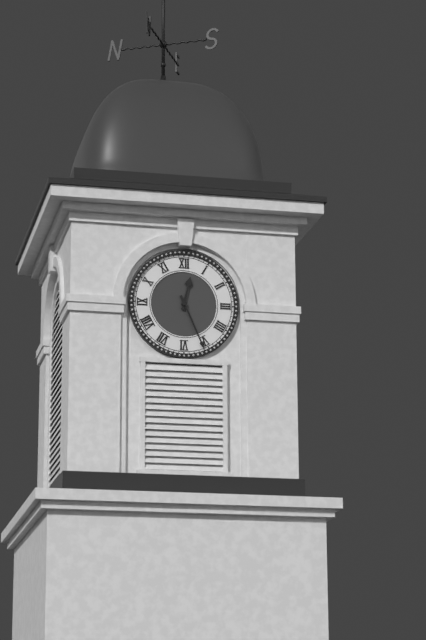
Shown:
12h26
